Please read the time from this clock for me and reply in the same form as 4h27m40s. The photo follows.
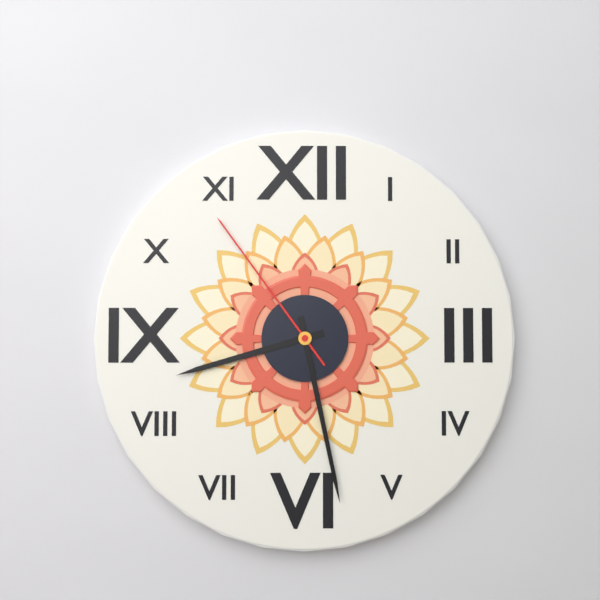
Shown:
8h28m54s
